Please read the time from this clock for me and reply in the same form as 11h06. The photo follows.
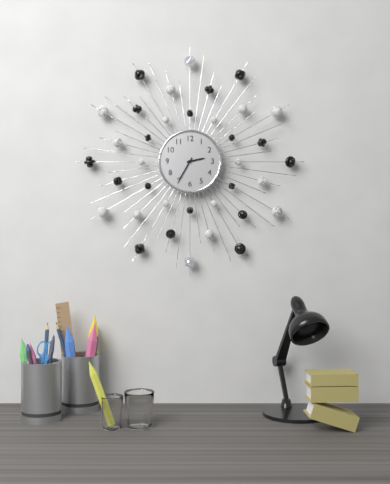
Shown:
2h35
